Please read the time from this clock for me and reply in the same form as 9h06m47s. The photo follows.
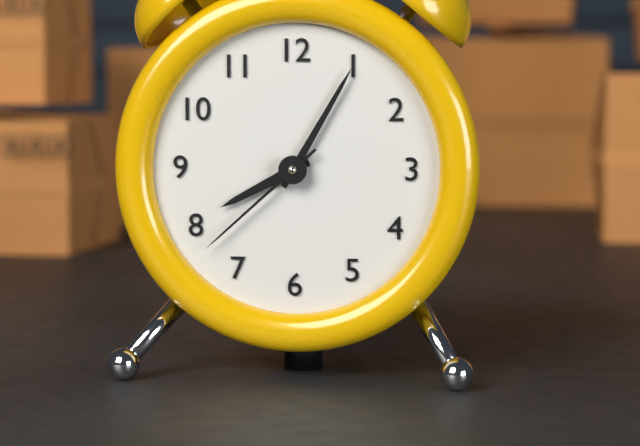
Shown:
8h05m38s
